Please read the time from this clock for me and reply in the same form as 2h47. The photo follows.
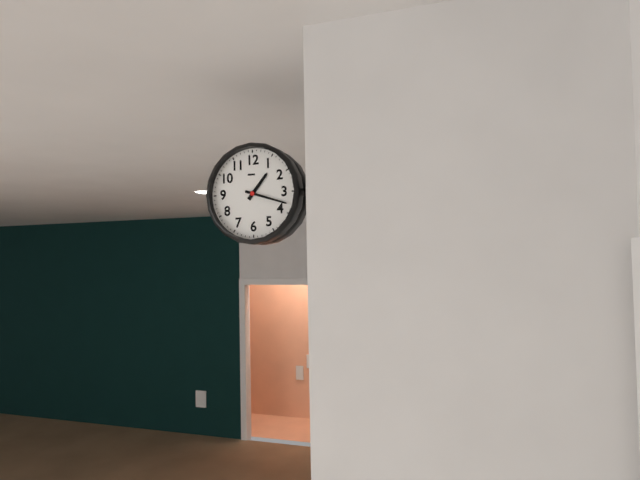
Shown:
1h18
